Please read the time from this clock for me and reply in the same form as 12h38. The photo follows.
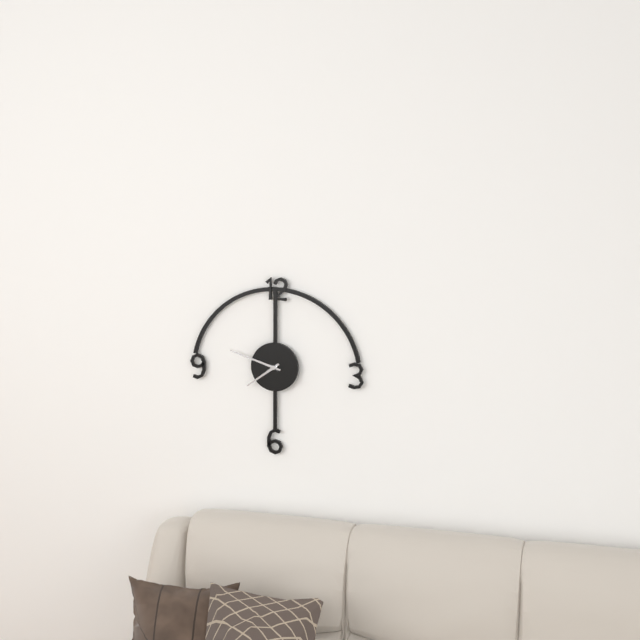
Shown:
7h48
